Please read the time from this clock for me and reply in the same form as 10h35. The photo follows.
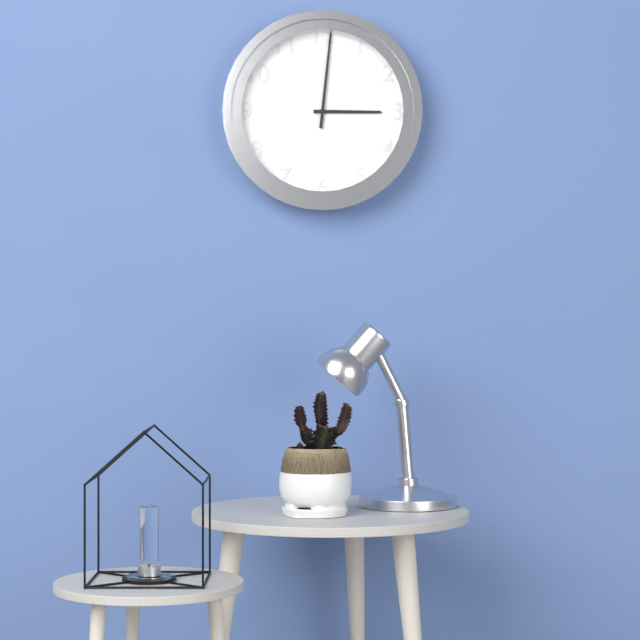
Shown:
3h01
